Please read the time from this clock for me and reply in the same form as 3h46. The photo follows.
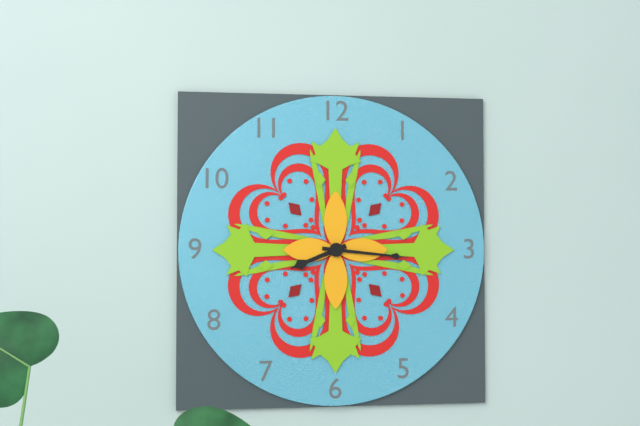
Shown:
8h16
